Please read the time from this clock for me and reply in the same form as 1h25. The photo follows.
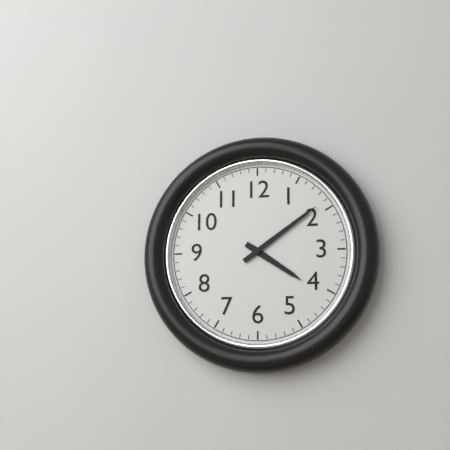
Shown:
4h09
